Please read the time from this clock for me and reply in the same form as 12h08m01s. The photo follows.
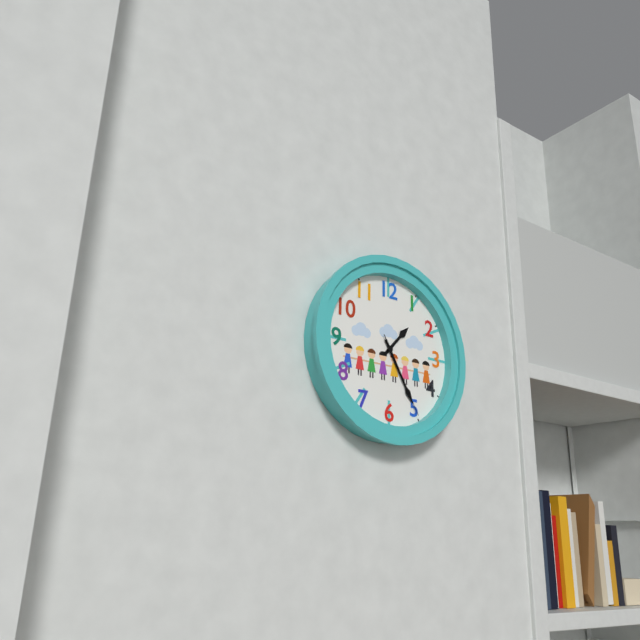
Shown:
1h25m25s
